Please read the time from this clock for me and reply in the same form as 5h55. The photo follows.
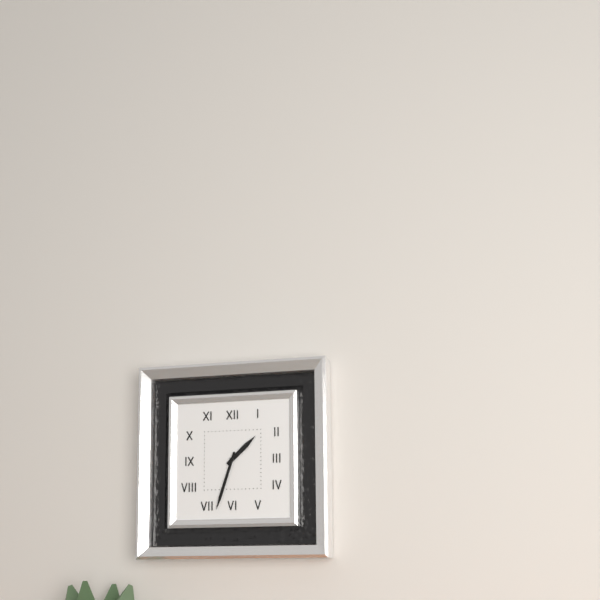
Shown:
1h33
